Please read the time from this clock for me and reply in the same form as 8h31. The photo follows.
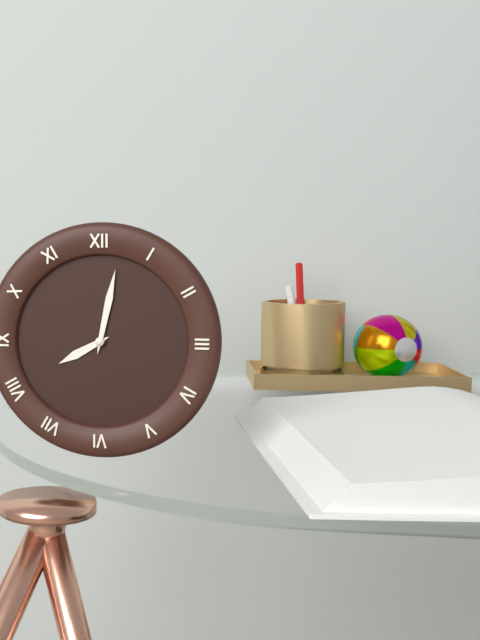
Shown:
8h02
